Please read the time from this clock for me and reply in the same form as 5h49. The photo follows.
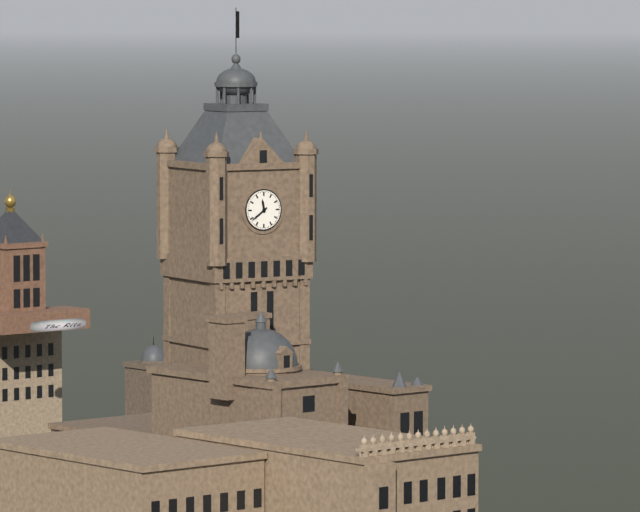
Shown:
11h39
